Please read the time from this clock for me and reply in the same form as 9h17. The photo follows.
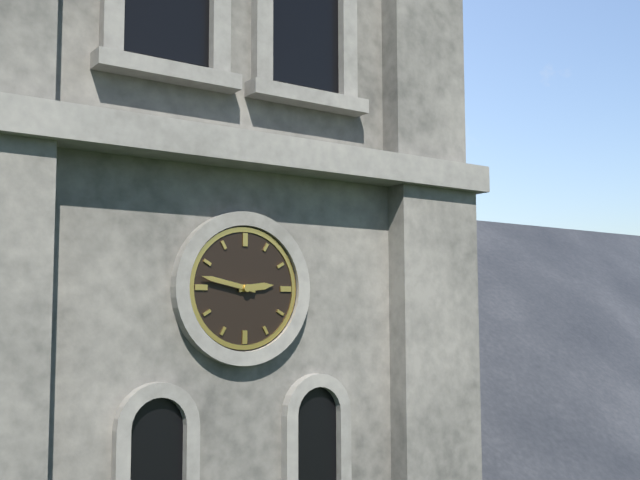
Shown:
2h47
